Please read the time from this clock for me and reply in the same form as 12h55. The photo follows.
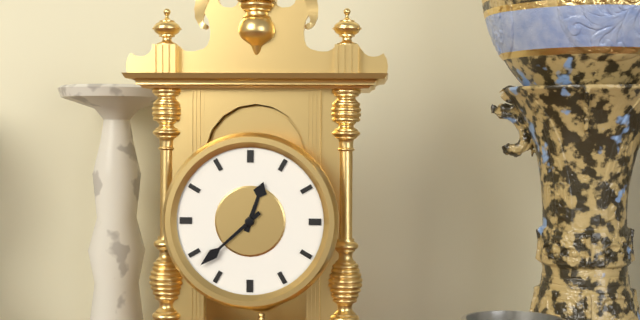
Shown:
12h38
